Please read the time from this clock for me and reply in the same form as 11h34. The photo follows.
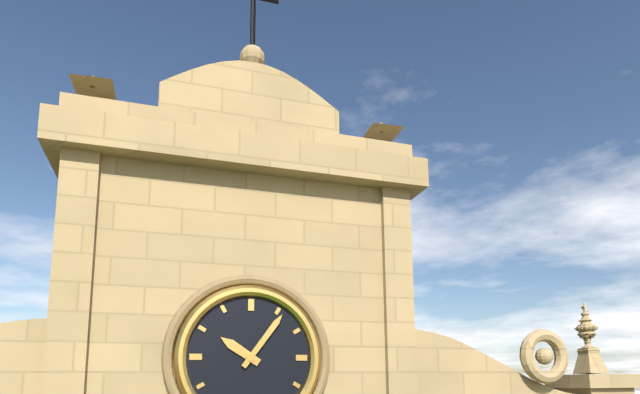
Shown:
10h06
